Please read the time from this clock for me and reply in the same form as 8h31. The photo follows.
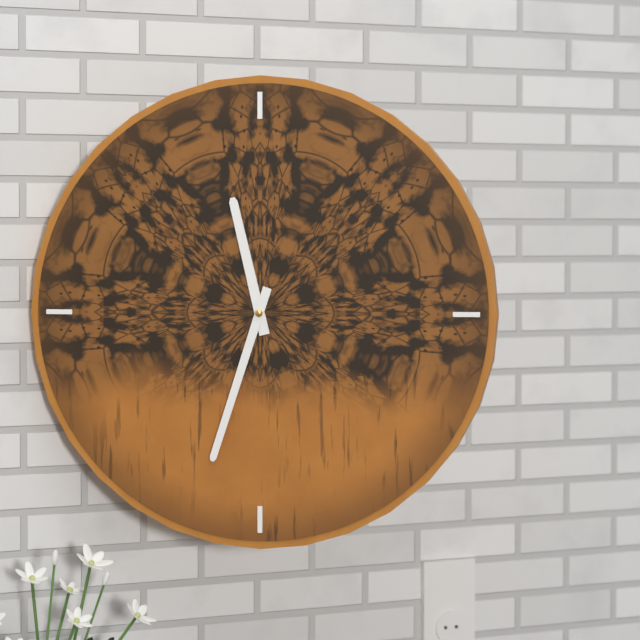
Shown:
11h33
